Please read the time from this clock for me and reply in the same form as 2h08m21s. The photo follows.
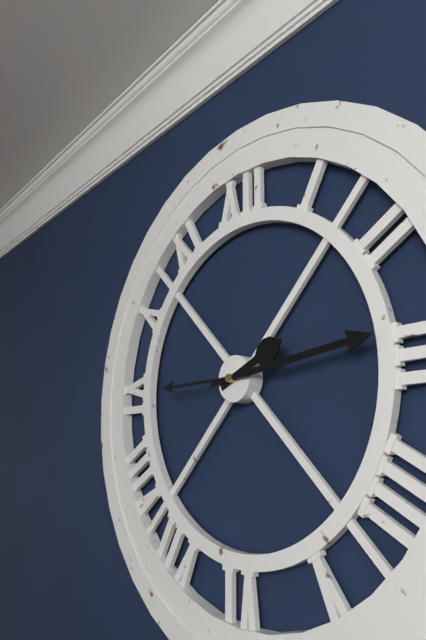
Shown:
2h14m45s
